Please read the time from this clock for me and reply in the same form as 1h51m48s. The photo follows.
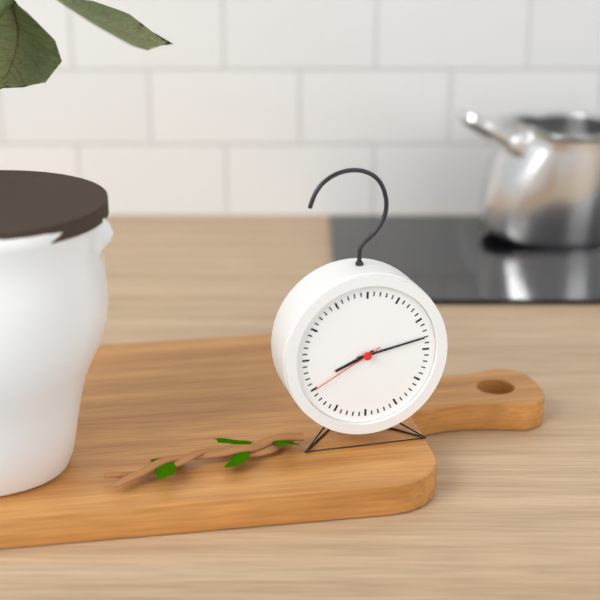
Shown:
8h13m40s
